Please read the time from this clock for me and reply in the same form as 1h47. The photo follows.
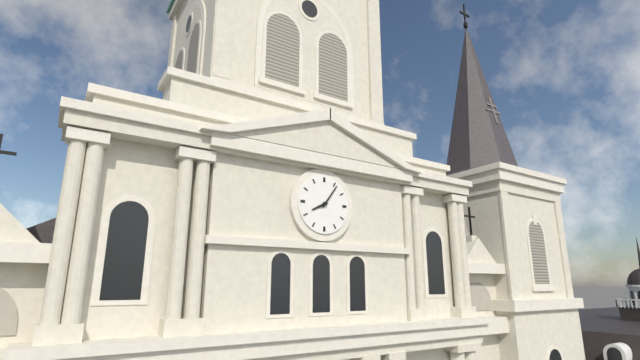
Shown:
8h06
